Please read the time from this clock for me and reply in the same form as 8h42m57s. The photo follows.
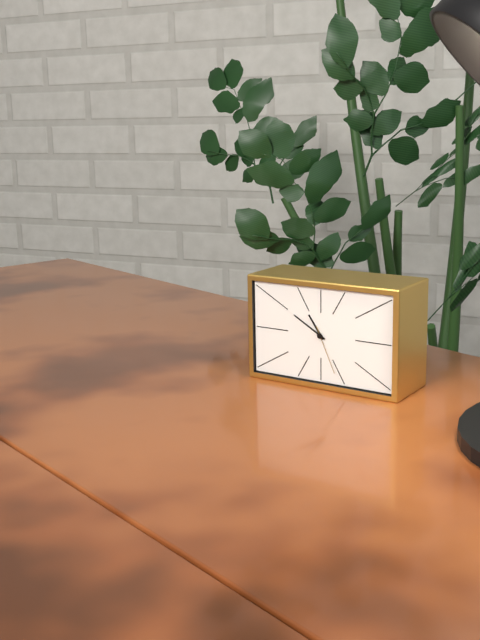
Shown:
10h50m26s
